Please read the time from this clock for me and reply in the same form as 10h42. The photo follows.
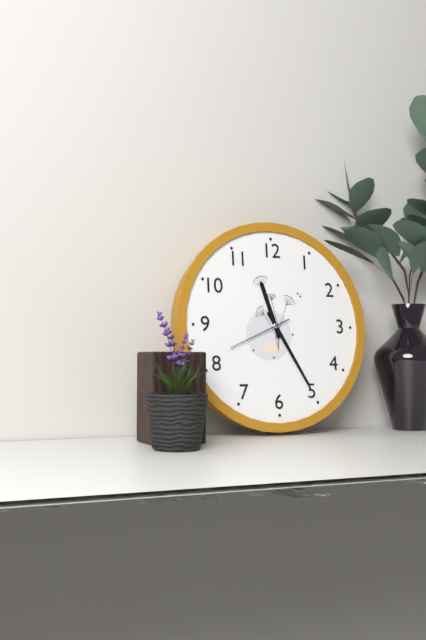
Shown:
11h25
